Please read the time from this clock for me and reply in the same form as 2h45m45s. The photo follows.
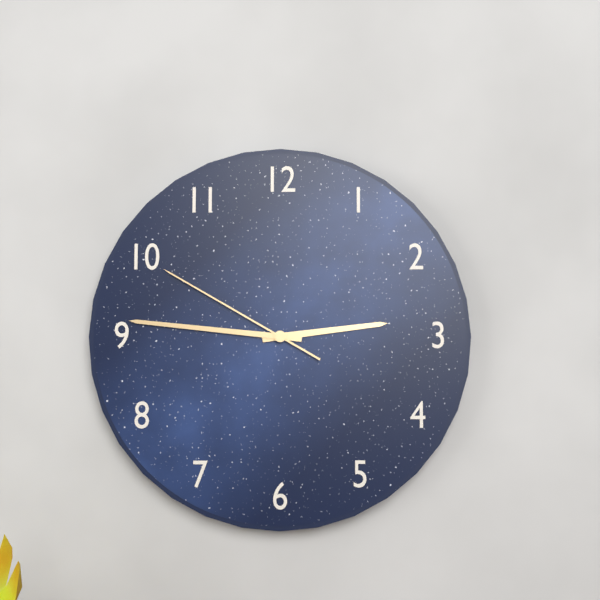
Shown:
2h46m50s
